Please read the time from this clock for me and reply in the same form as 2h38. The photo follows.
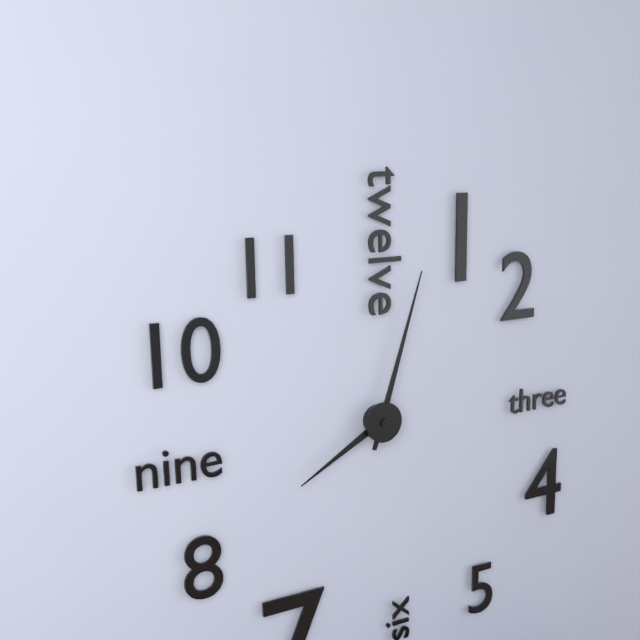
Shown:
8h03
